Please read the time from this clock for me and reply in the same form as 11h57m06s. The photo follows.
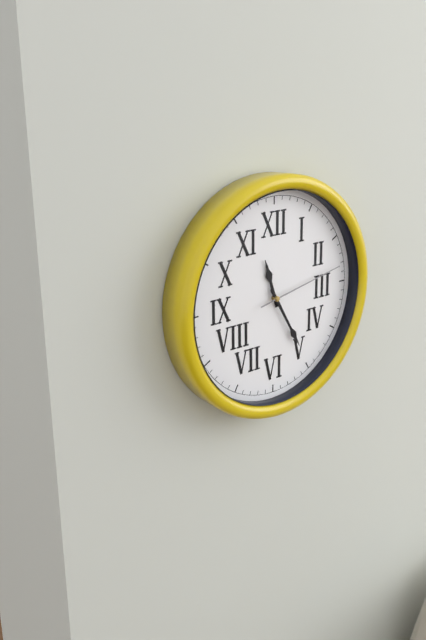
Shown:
11h25m13s
